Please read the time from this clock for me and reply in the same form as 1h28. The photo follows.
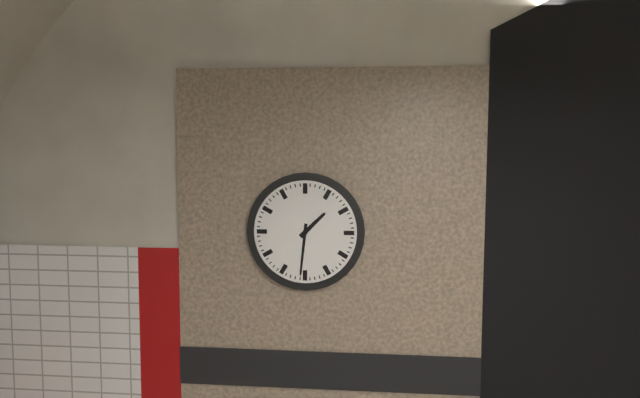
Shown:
1h31
